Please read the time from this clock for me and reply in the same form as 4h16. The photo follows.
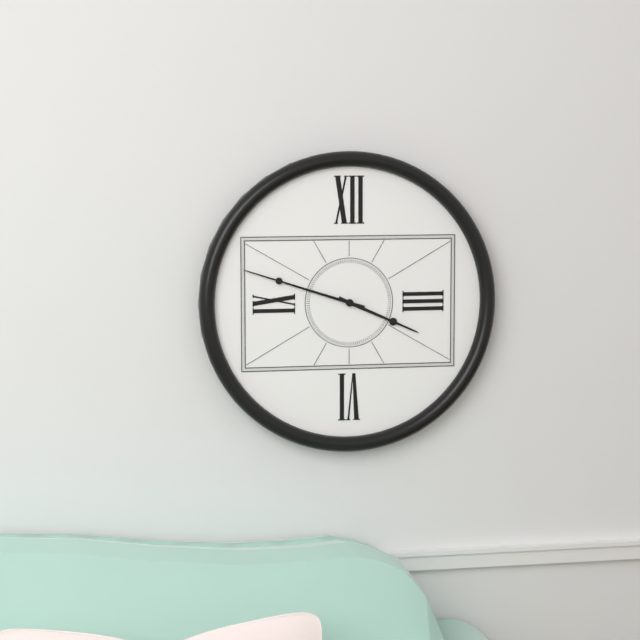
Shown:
3h48
